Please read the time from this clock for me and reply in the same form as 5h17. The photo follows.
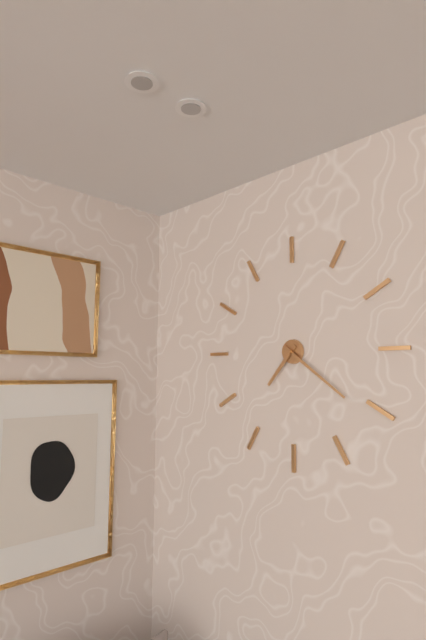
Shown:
7h21
